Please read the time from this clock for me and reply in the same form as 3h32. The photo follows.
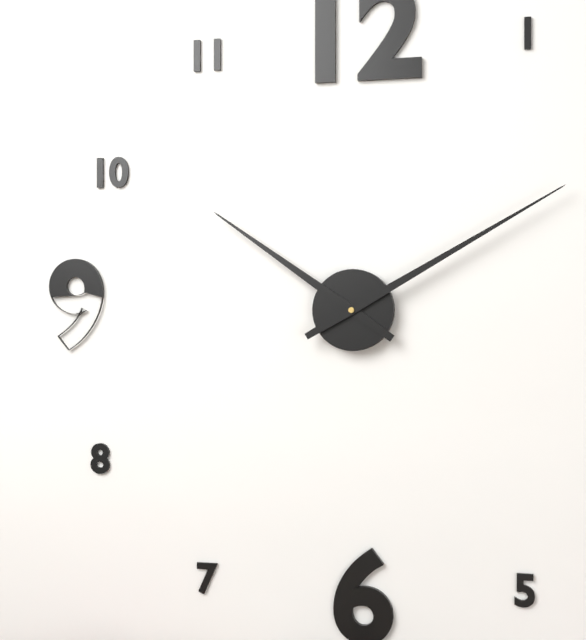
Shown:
10h10
